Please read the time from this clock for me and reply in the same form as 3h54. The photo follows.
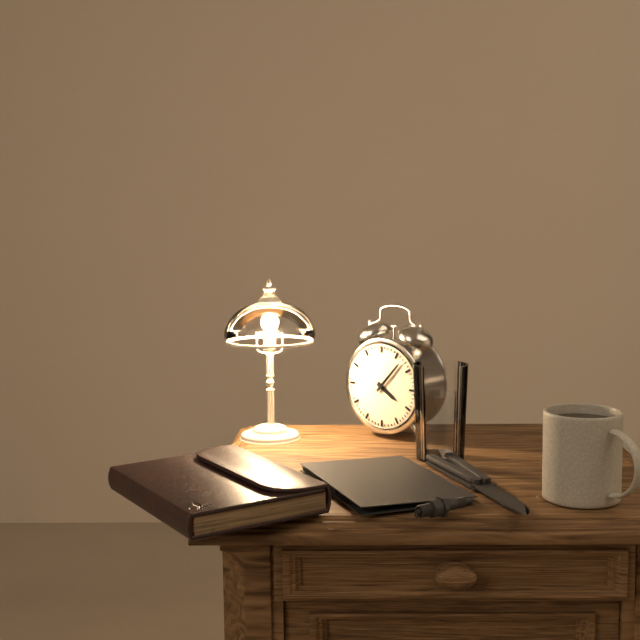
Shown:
4h07
